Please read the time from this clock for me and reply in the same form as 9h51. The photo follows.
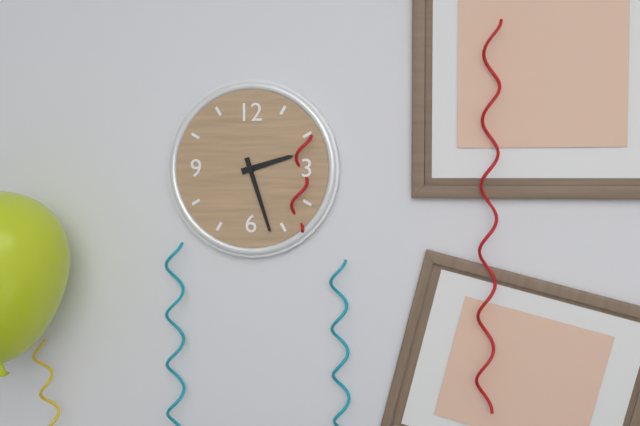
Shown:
2h27
